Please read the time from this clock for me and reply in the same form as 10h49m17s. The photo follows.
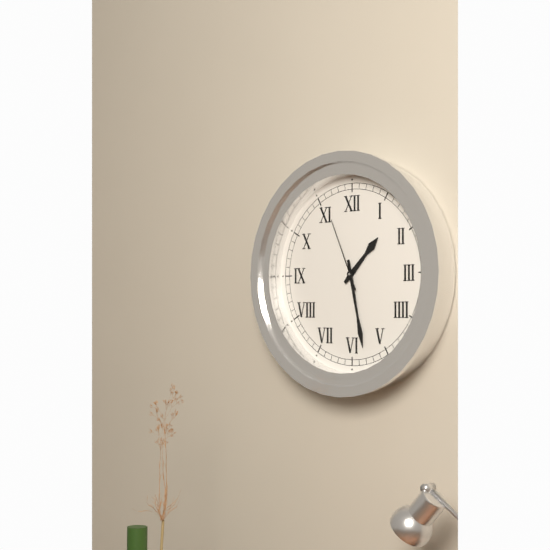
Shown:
1h28m56s
